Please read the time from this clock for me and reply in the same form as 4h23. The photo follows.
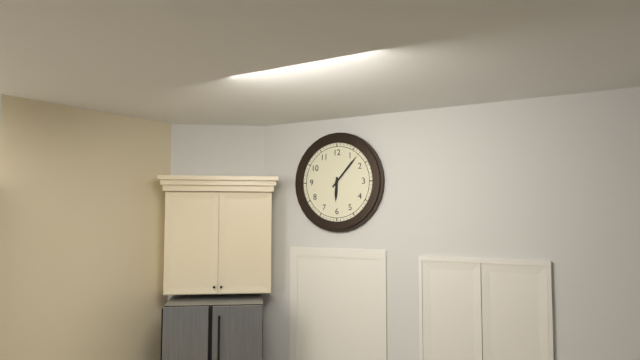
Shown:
6h07
